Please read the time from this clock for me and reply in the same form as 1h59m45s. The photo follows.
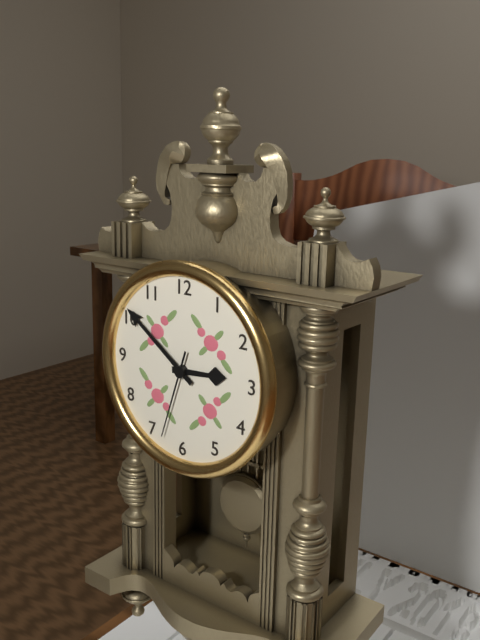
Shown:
2h51m33s
